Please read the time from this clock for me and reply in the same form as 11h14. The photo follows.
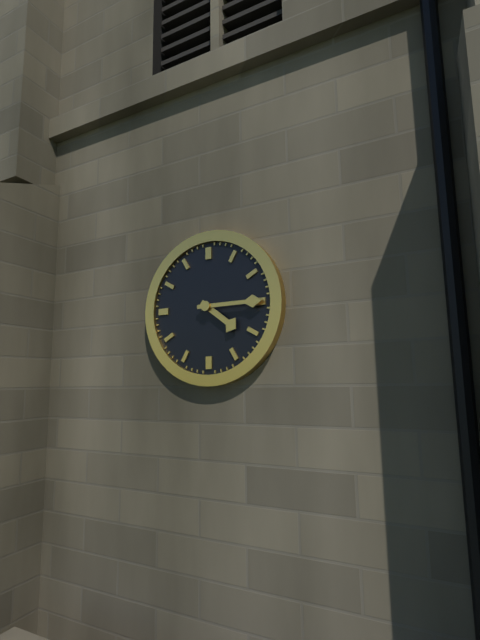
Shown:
4h15
